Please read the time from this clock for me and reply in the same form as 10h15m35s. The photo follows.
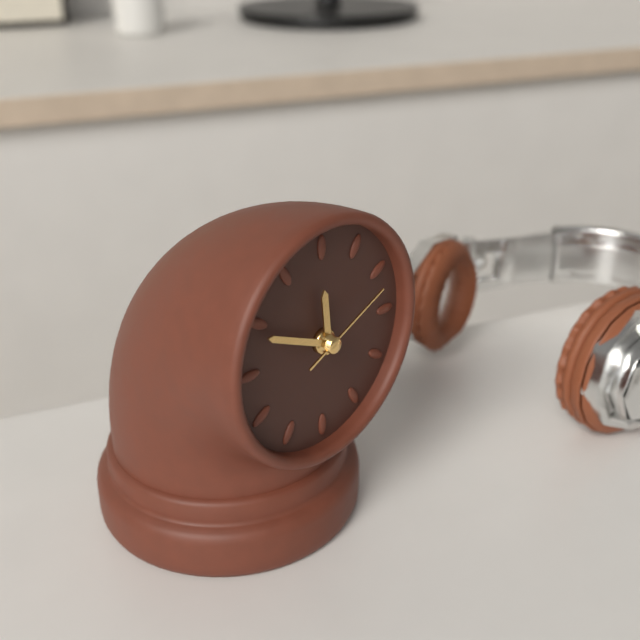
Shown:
11h49m11s
